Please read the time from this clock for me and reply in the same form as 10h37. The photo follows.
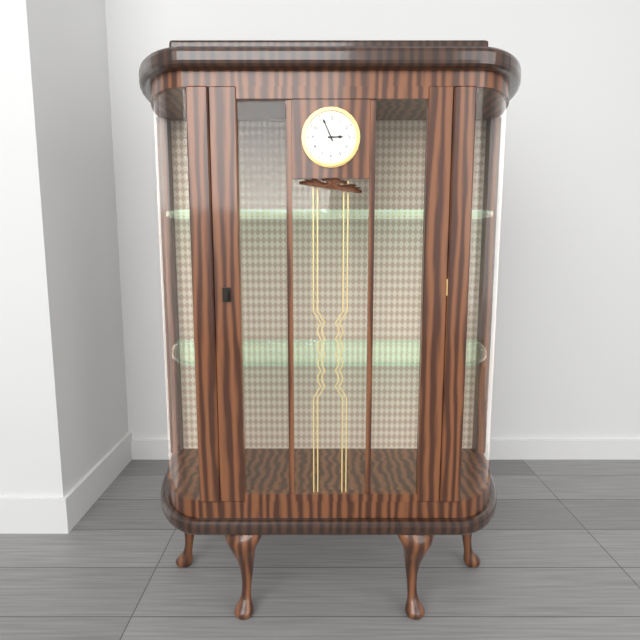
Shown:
2h56
